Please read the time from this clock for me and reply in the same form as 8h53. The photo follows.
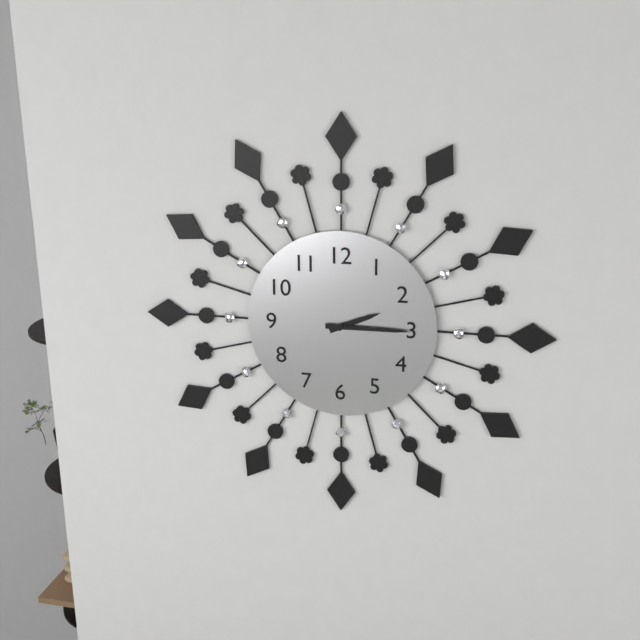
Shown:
2h15
